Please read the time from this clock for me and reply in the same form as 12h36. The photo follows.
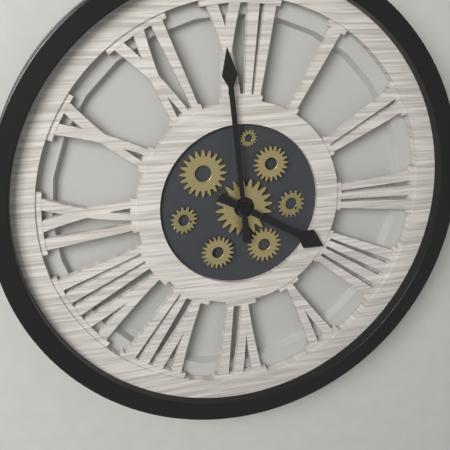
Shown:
3h59
